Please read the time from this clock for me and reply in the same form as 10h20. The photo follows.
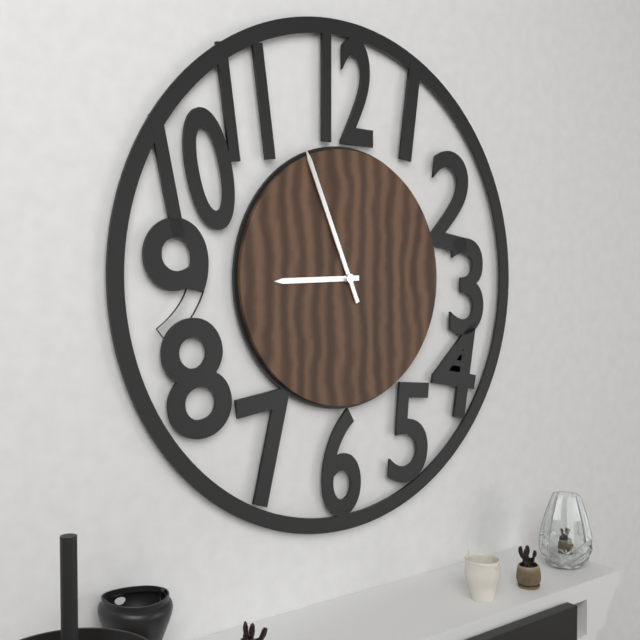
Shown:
8h56
